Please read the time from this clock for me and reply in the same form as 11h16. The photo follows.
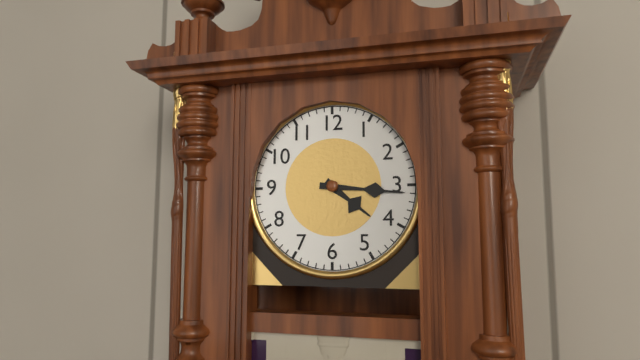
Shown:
4h16
